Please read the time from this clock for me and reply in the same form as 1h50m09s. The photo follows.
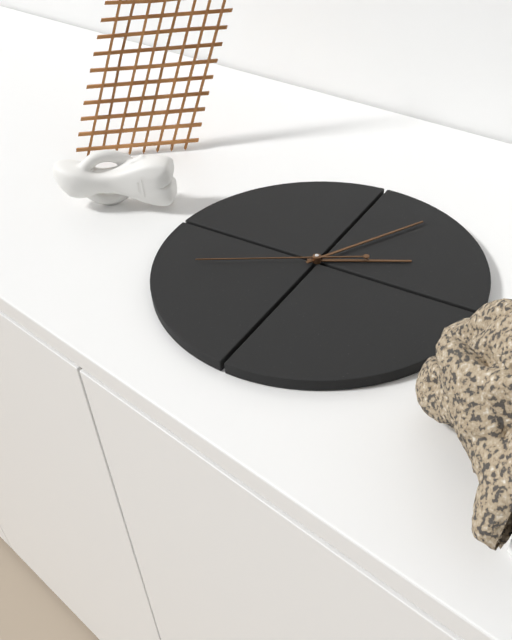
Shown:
2h05m40s
